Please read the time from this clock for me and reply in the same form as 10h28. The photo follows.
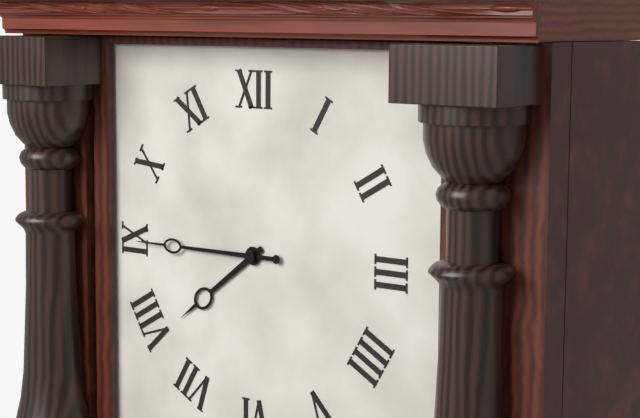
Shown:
7h45
